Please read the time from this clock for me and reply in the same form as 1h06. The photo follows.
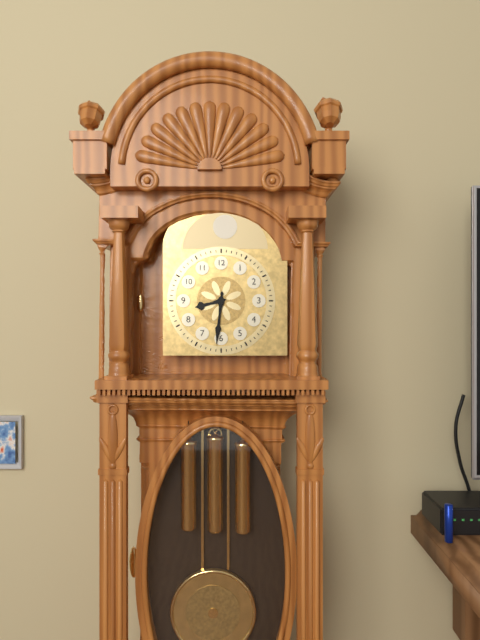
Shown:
8h31
